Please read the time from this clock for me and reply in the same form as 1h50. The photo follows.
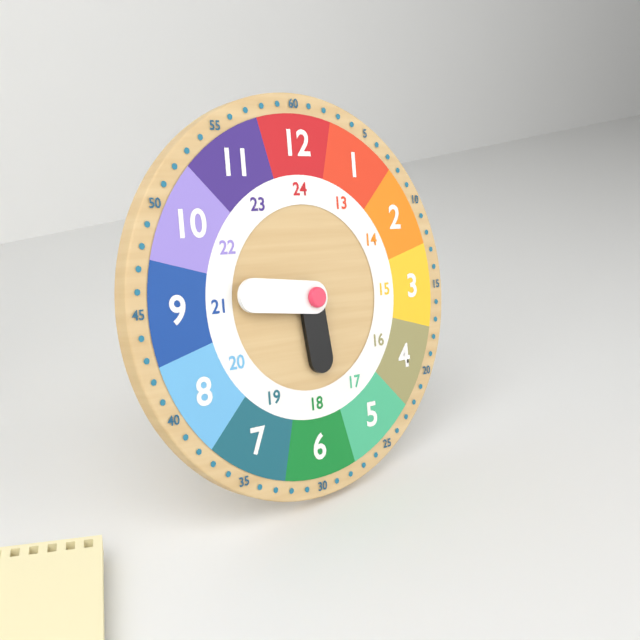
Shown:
5h46
